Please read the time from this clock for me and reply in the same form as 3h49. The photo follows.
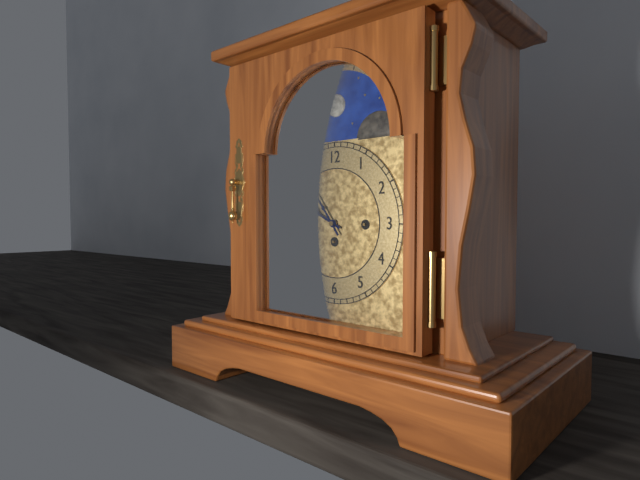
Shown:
9h54
